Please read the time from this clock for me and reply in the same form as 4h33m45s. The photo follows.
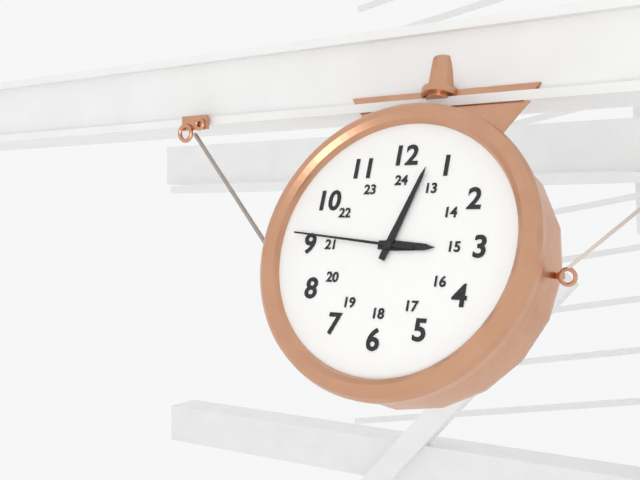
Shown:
3h03m46s
